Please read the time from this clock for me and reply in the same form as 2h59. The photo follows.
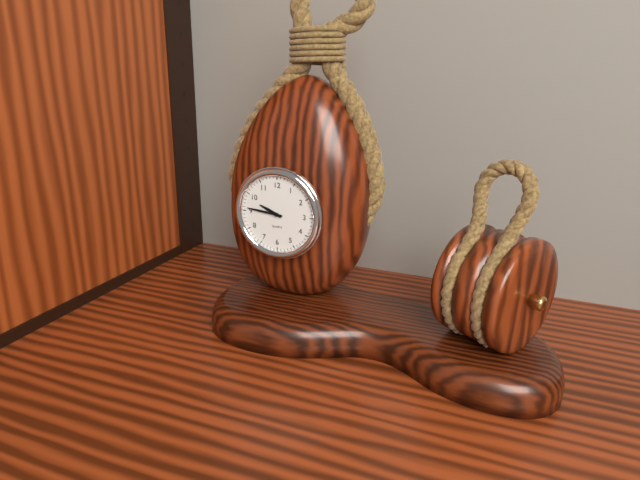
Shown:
9h46
